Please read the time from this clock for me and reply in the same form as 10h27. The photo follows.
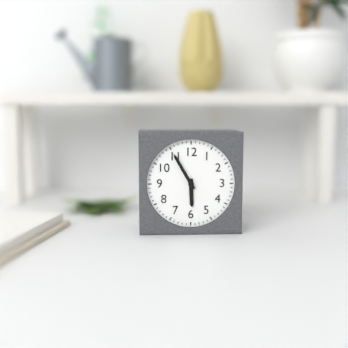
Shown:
5h55
